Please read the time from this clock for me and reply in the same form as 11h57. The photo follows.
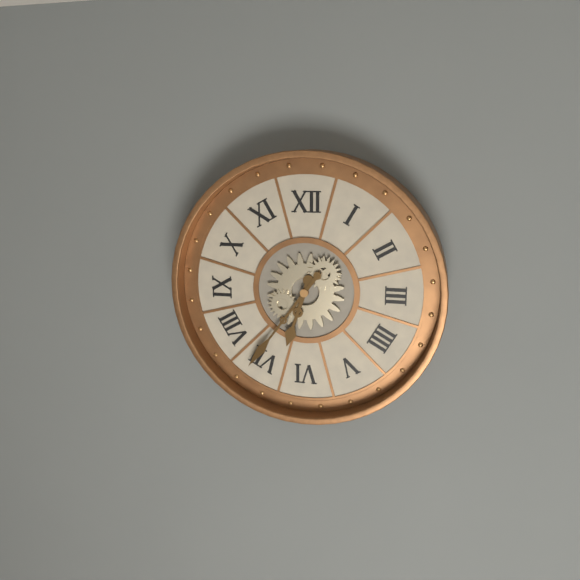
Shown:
6h36
